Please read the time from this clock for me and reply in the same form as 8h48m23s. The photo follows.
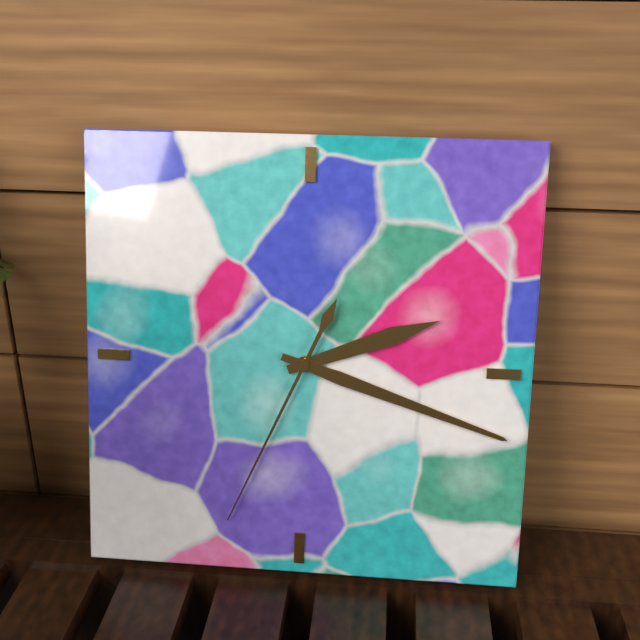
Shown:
2h18m34s
